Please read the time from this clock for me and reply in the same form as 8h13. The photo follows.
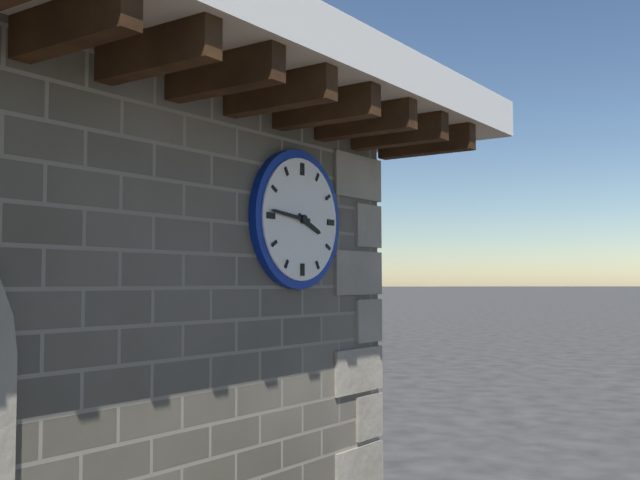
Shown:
3h46
